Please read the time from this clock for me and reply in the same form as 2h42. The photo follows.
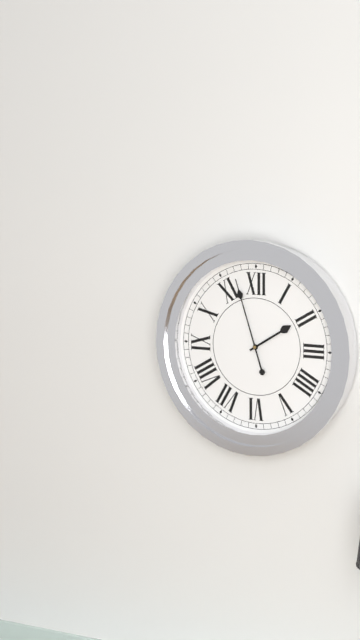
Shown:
1h57
